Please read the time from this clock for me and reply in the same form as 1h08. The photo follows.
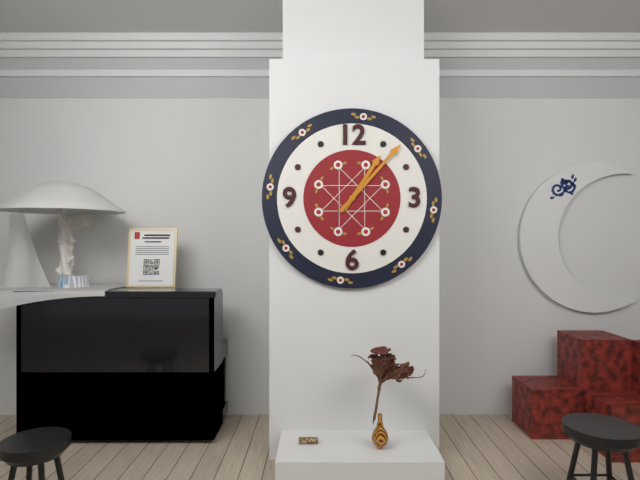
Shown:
1h07
